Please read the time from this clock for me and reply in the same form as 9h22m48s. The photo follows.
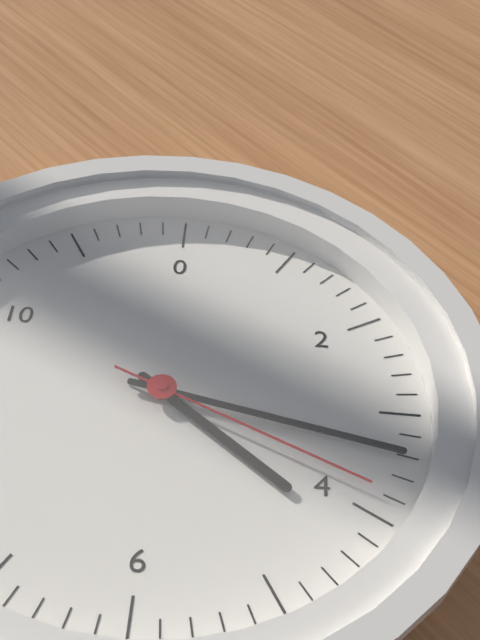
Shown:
4h17m19s
